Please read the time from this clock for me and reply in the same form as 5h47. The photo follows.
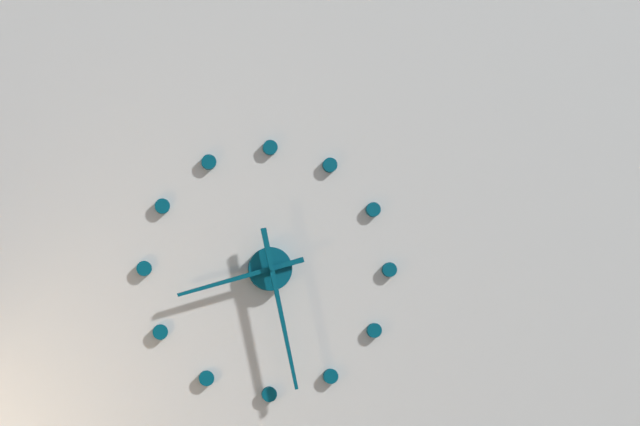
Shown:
8h28
